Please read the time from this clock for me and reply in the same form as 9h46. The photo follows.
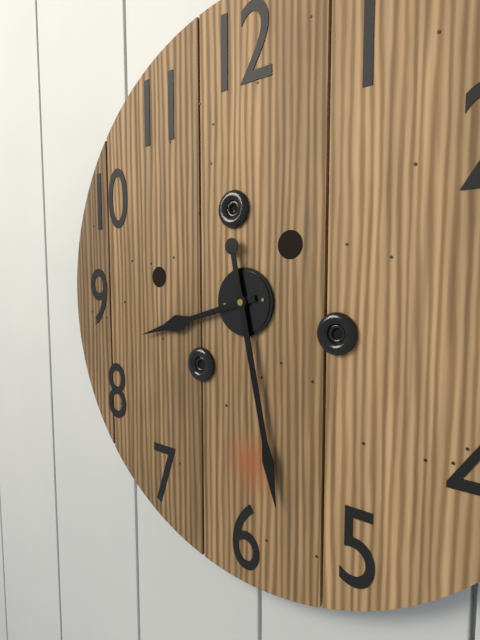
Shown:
8h28
